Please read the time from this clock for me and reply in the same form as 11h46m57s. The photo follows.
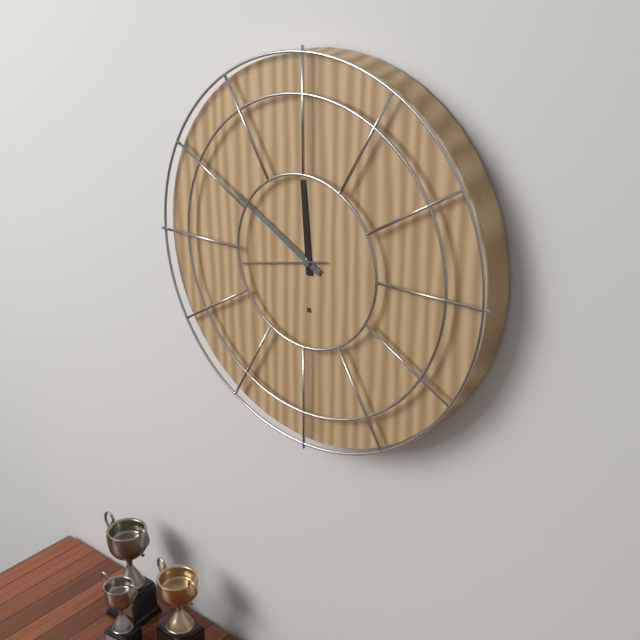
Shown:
11h50m43s
